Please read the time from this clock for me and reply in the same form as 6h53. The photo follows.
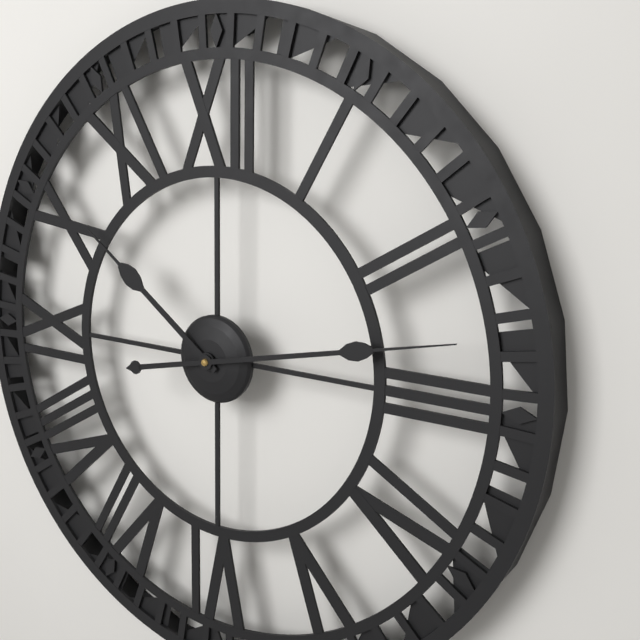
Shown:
10h13
